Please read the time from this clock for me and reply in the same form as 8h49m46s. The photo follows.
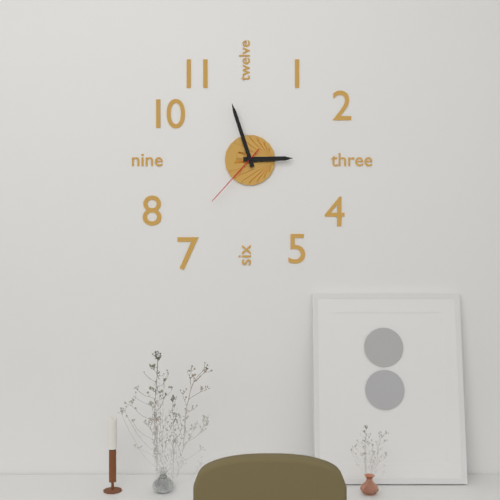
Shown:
2h57m37s
